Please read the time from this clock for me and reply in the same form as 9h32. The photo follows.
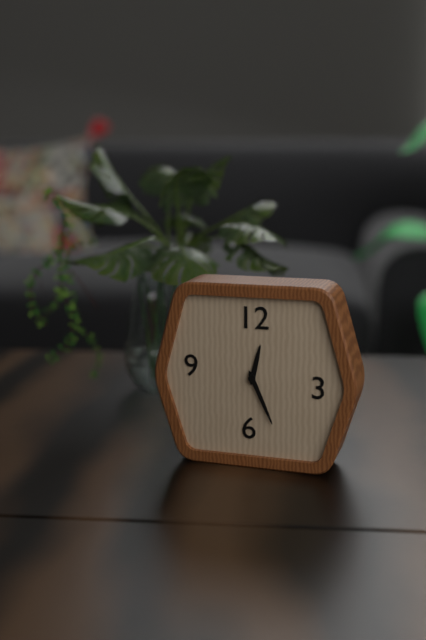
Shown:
12h26
